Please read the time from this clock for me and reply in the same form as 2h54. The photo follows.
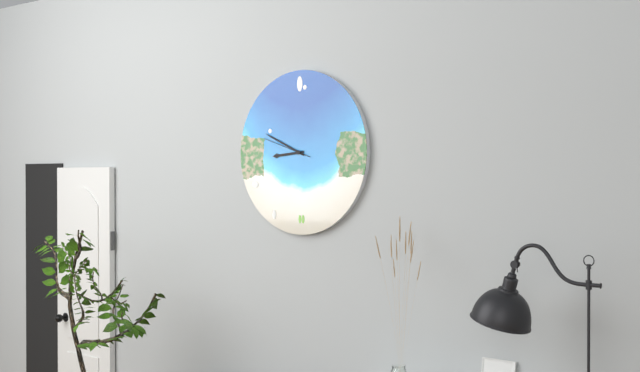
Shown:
8h49
